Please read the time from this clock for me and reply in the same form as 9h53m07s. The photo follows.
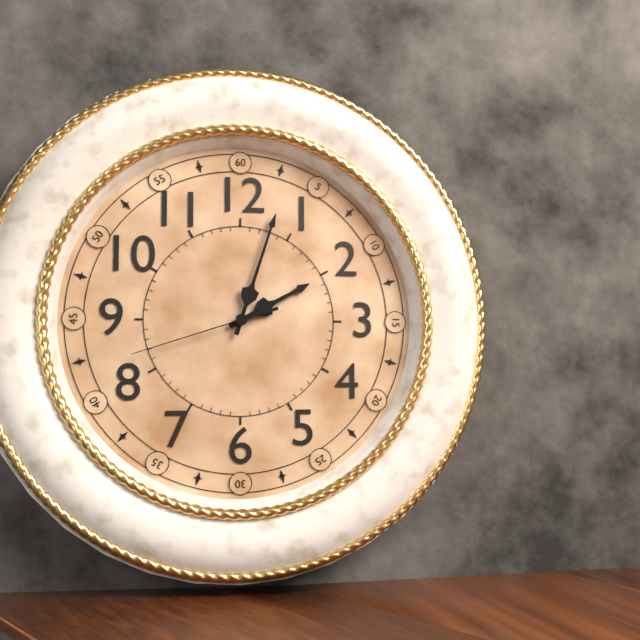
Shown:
2h03m42s
